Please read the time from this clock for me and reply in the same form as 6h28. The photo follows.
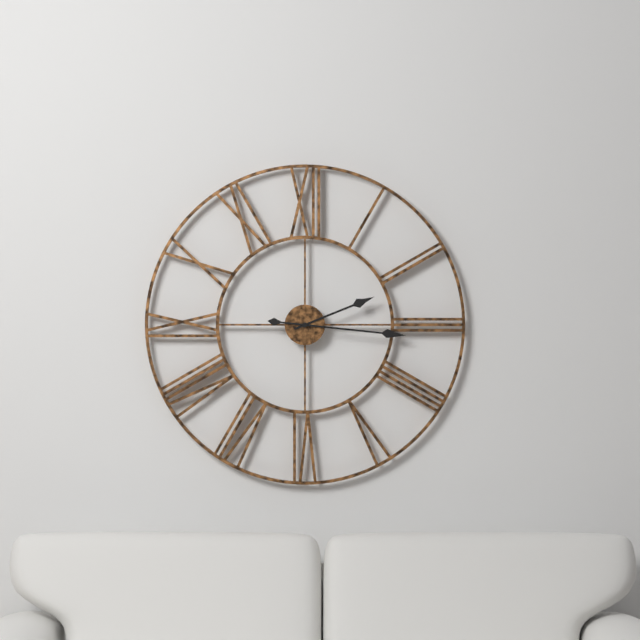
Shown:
2h16
